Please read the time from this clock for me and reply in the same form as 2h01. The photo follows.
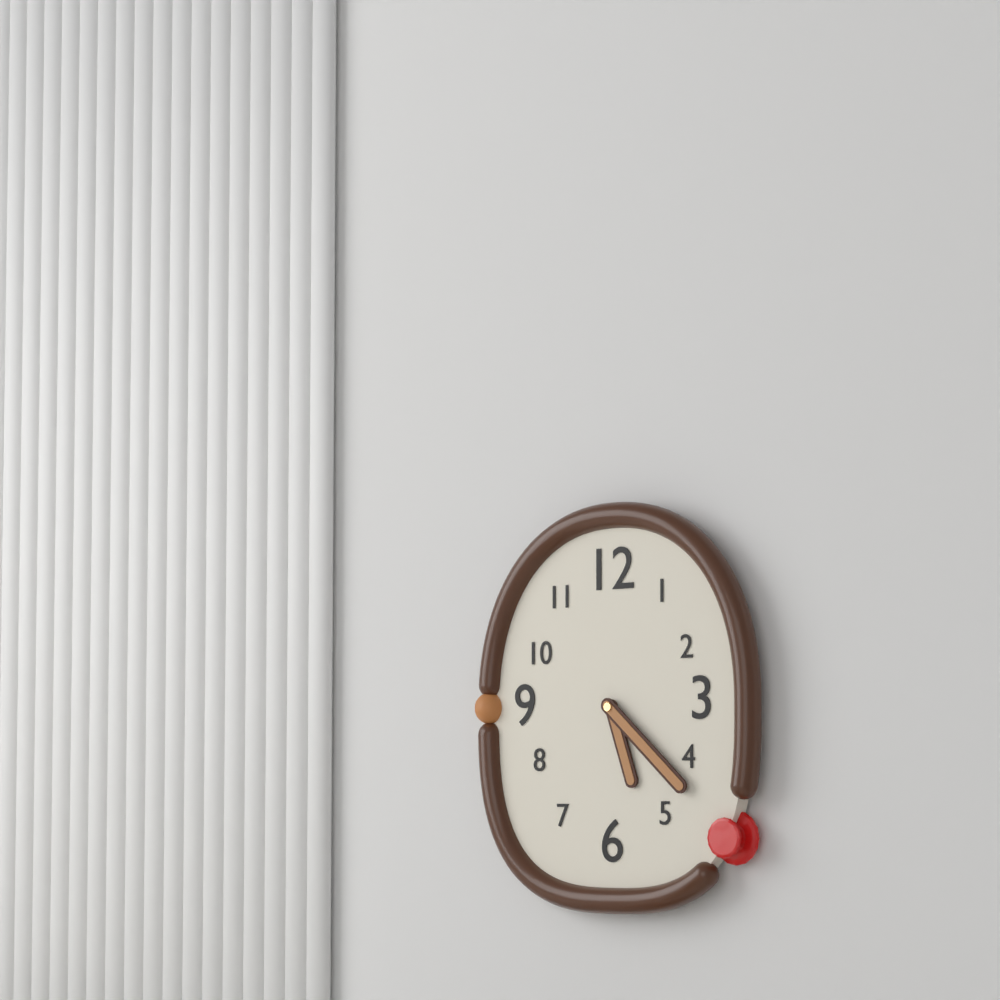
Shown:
5h22
